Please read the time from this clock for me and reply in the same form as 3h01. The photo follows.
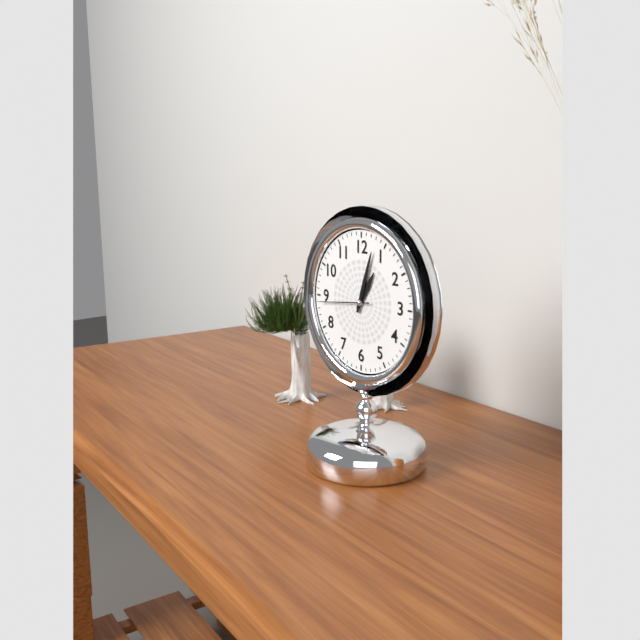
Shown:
1h03
